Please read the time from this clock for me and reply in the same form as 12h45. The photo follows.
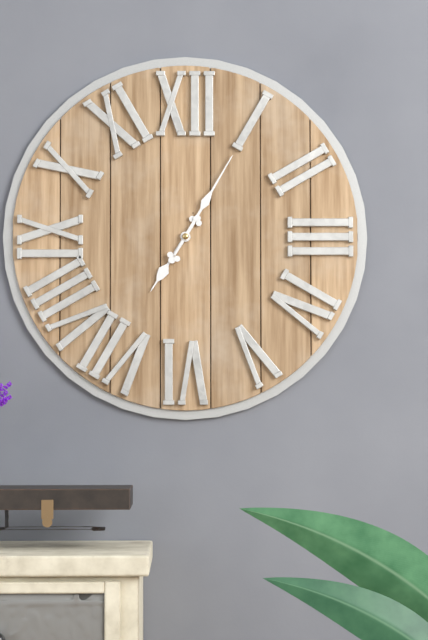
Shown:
7h05
